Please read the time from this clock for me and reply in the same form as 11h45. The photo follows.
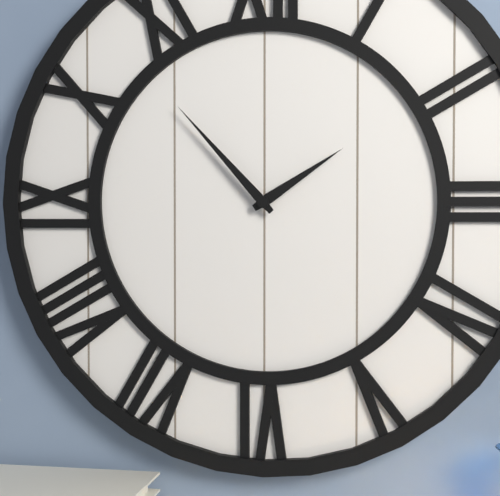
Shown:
1h53
